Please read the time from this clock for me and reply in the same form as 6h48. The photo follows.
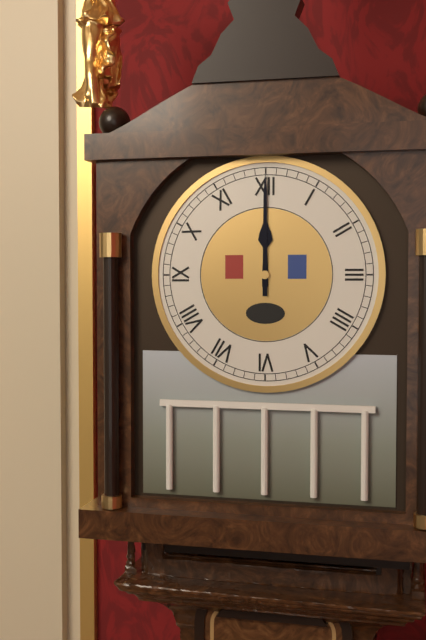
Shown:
12h00
